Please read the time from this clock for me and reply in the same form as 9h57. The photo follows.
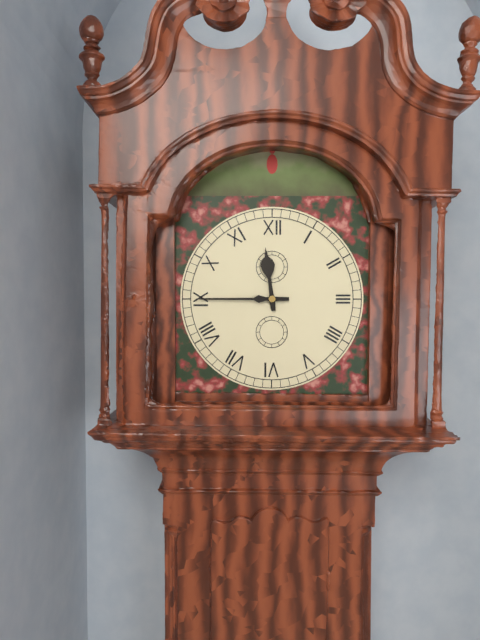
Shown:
11h45
